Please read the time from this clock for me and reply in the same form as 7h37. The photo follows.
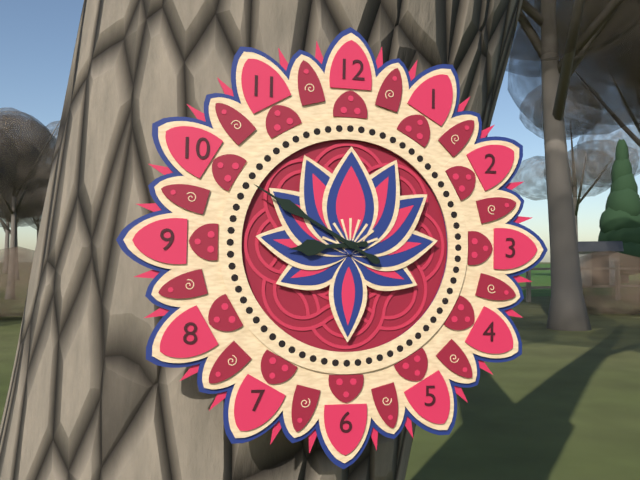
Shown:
8h50
